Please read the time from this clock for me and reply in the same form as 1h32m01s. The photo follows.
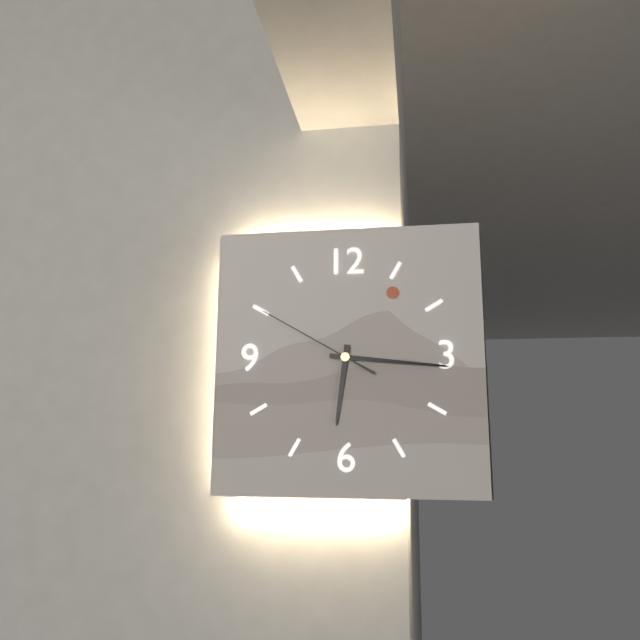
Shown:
6h16m50s
